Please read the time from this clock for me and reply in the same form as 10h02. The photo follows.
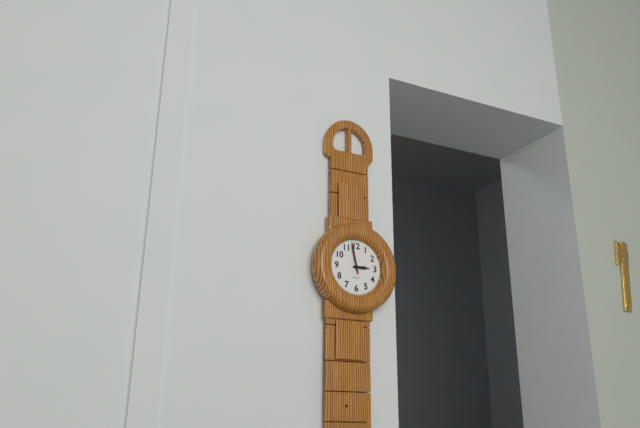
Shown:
2h58
